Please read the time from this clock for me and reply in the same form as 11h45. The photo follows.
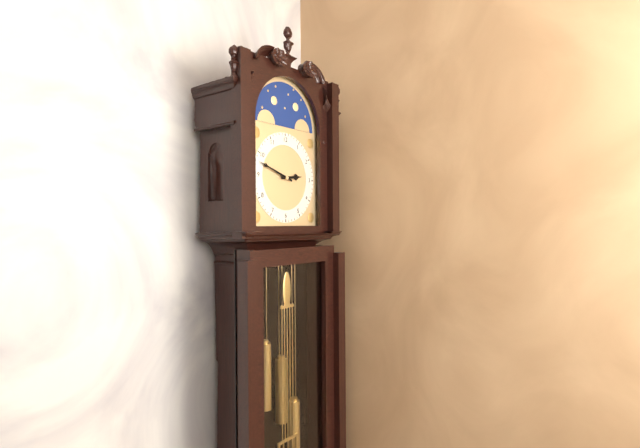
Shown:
2h48
